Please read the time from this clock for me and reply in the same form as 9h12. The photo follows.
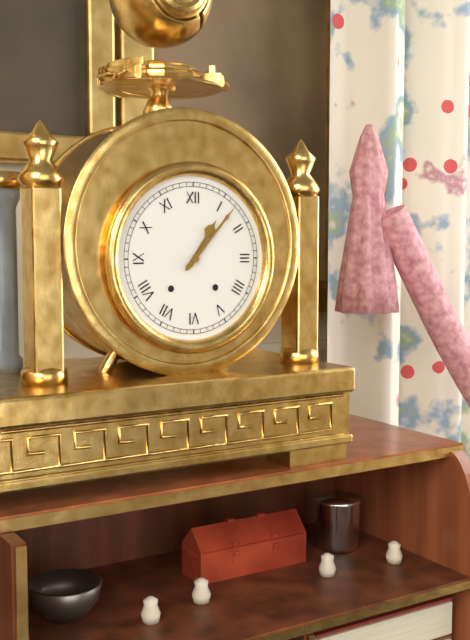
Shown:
1h07
